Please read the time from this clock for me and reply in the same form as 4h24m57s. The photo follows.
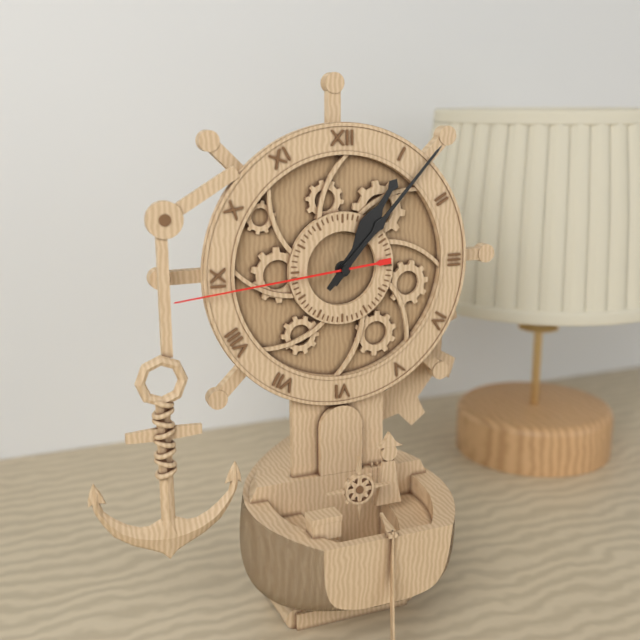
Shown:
1h07m44s
